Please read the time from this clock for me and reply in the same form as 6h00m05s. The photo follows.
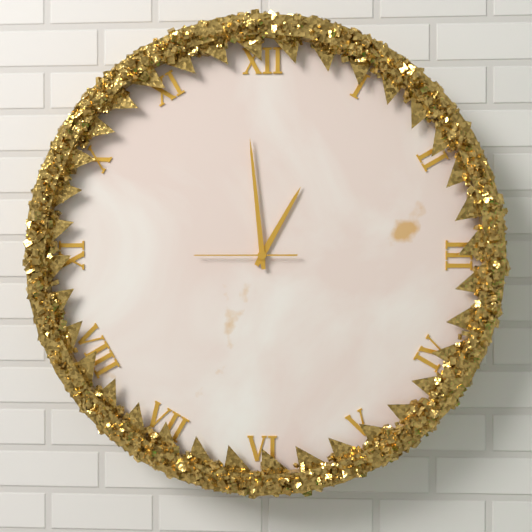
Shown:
12h59m45s
